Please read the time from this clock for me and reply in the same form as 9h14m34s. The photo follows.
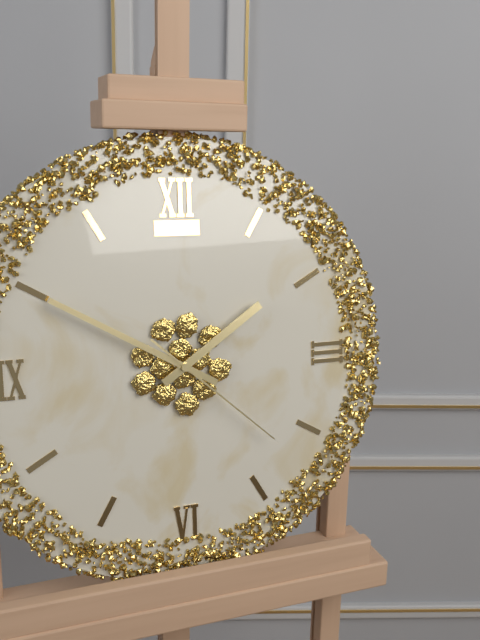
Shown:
1h50m22s
